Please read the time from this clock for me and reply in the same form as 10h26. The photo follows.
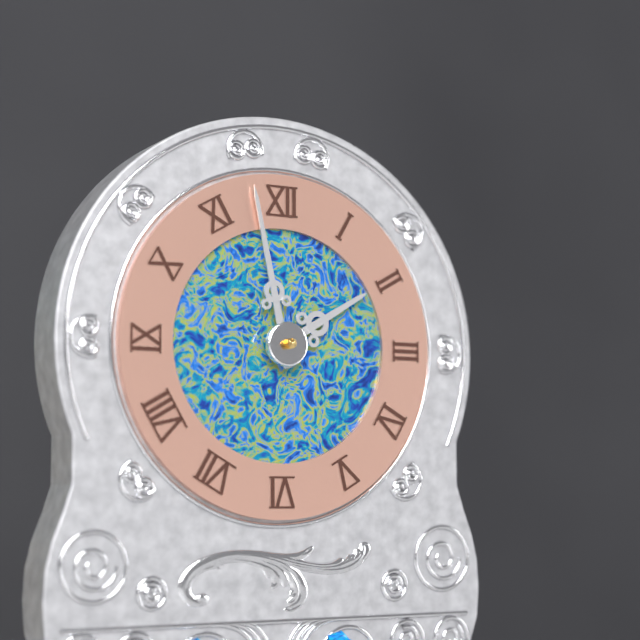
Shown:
1h58
